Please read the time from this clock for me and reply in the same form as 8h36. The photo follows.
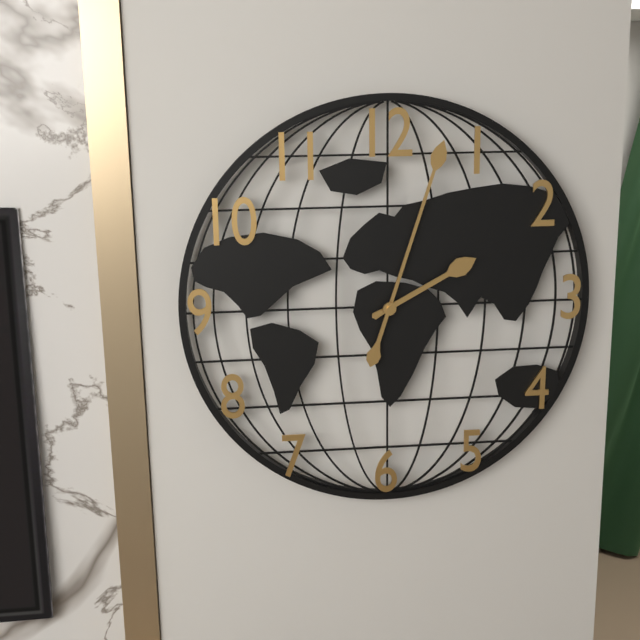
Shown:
2h03
